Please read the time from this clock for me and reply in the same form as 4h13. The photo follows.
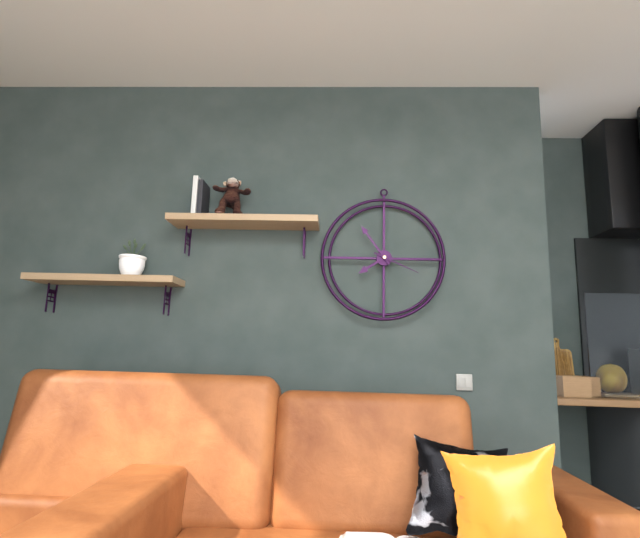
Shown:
7h54
